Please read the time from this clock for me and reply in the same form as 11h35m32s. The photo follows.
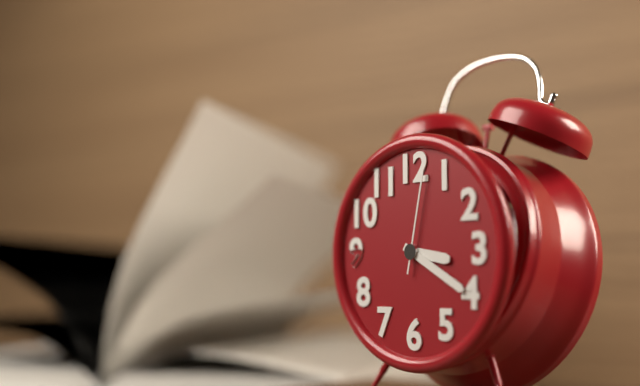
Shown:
3h20m02s
